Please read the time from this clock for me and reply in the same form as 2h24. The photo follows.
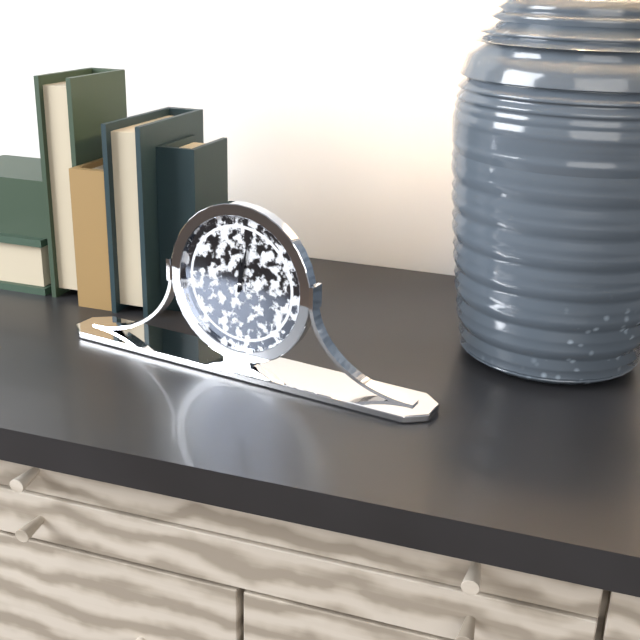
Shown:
12h02
